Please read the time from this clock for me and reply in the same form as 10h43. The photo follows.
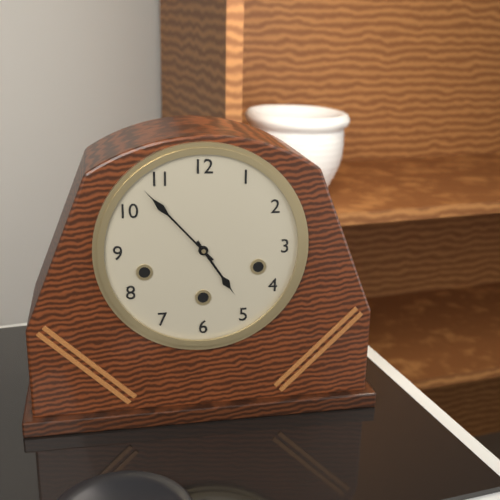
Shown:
4h53
